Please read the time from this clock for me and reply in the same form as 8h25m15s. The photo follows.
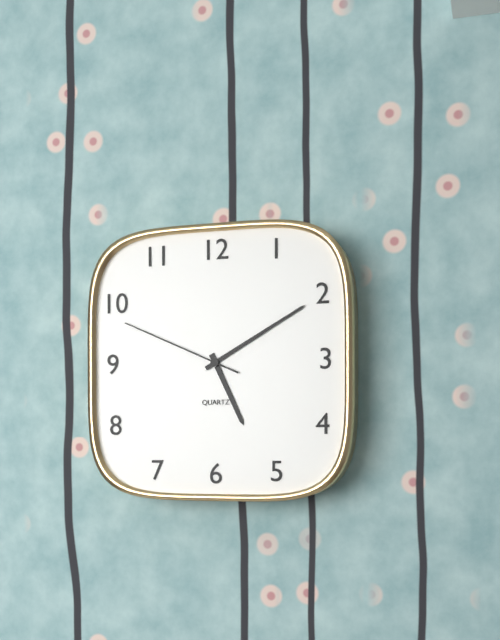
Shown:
5h10m49s
